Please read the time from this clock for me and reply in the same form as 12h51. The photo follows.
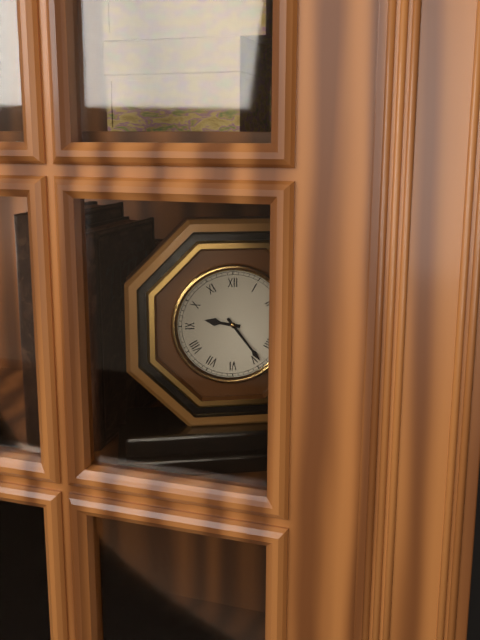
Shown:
9h24
